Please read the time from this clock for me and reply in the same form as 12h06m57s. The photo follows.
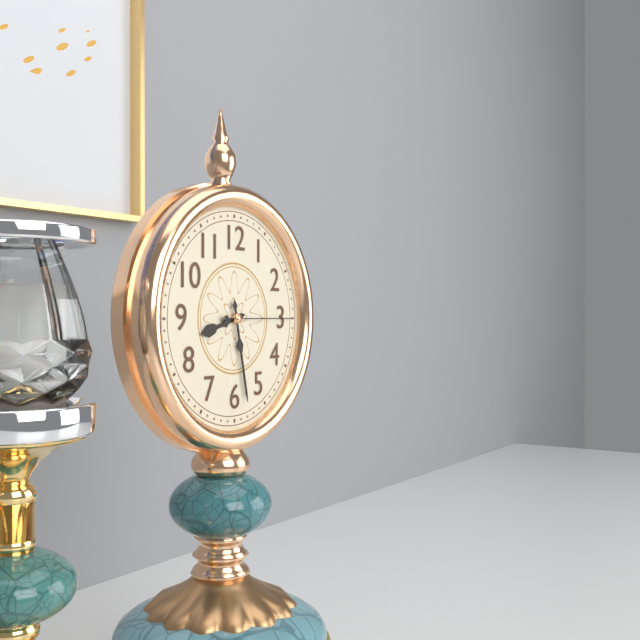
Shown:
8h28m15s
